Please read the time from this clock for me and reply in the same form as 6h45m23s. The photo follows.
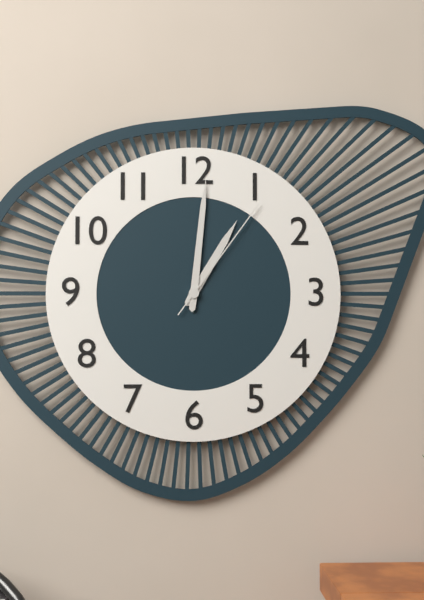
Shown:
1h01m06s
